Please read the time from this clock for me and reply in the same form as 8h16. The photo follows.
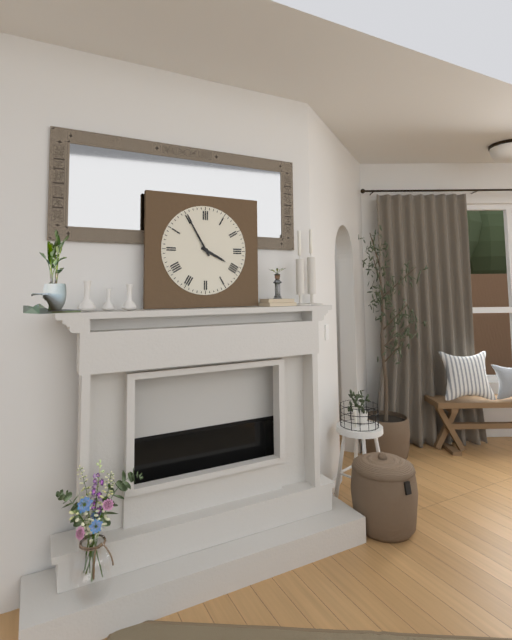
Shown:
3h55
